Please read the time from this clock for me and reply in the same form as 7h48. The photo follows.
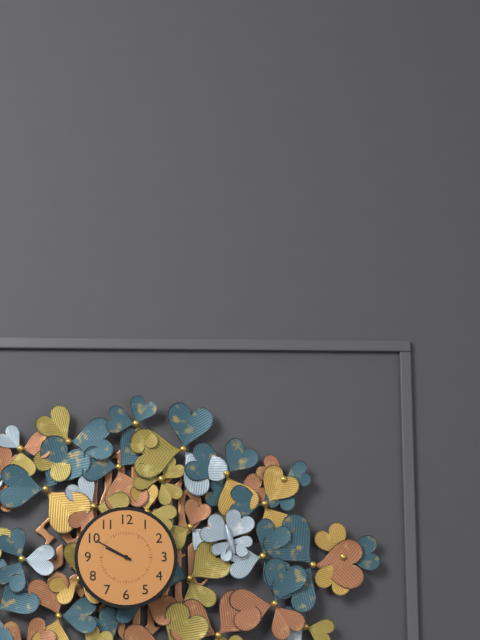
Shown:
9h50
